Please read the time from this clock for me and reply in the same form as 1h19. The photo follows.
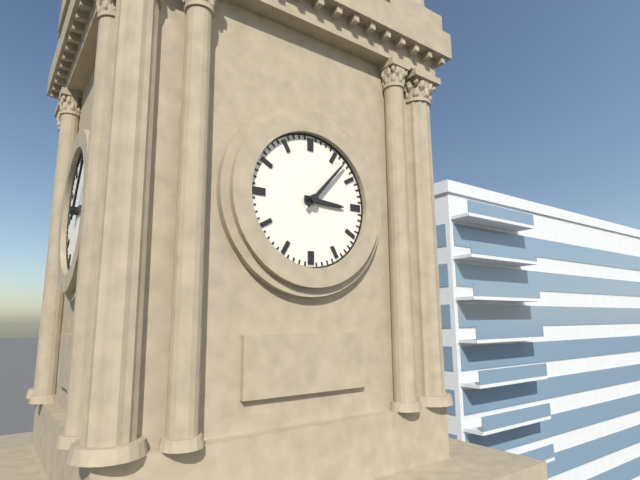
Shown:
3h07
